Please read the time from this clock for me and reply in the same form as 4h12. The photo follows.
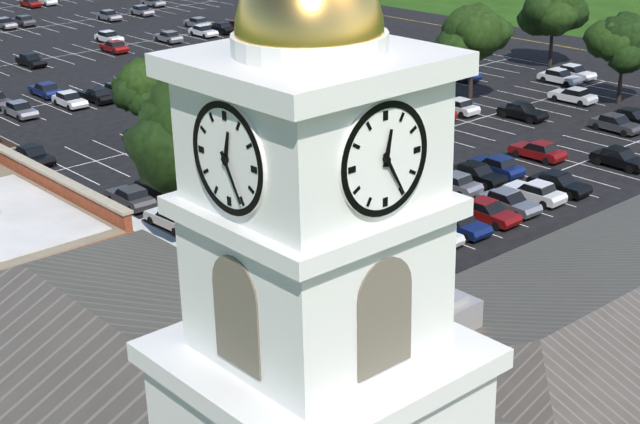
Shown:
12h25
